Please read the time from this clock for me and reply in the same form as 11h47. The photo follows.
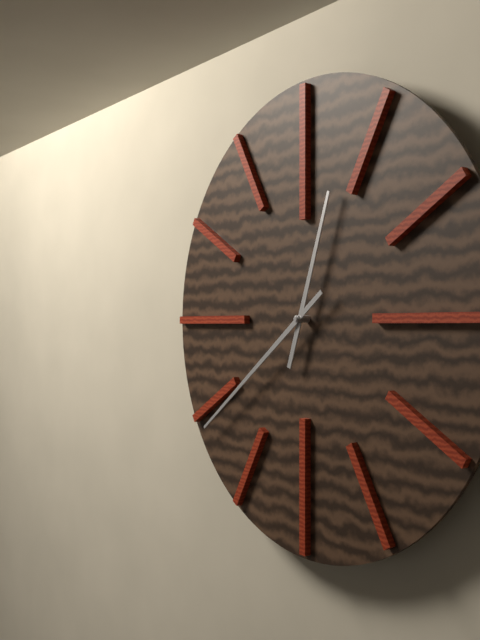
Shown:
12h39
